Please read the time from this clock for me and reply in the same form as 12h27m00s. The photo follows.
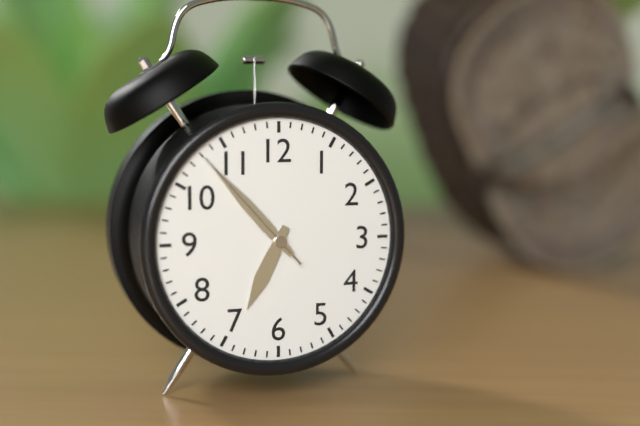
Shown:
6h53m53s
